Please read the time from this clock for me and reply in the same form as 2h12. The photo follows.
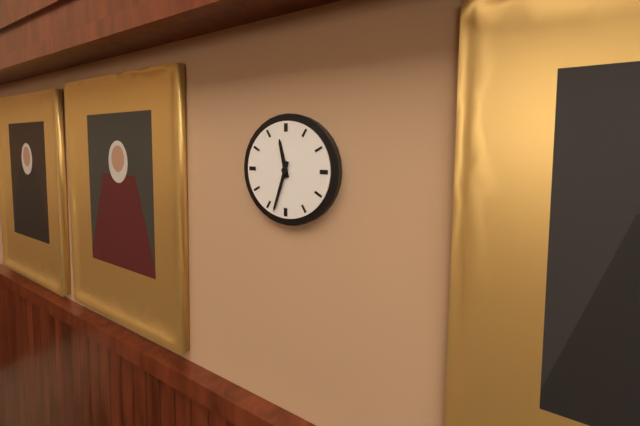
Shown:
11h33
